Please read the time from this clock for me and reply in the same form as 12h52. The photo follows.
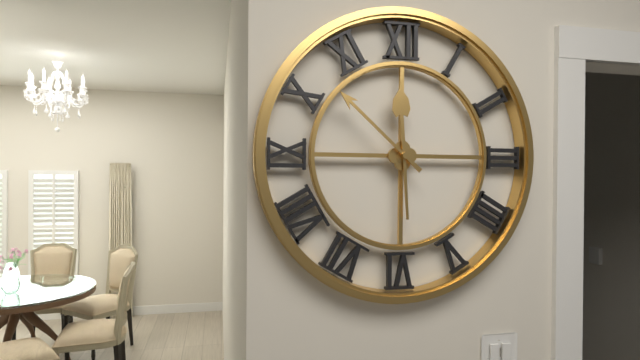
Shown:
11h52
